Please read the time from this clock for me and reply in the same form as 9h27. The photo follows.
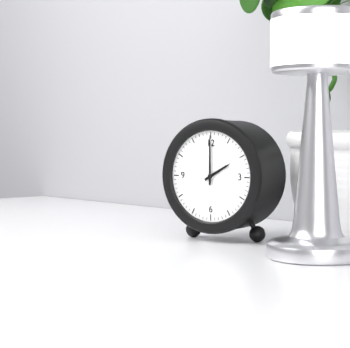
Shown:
2h00
